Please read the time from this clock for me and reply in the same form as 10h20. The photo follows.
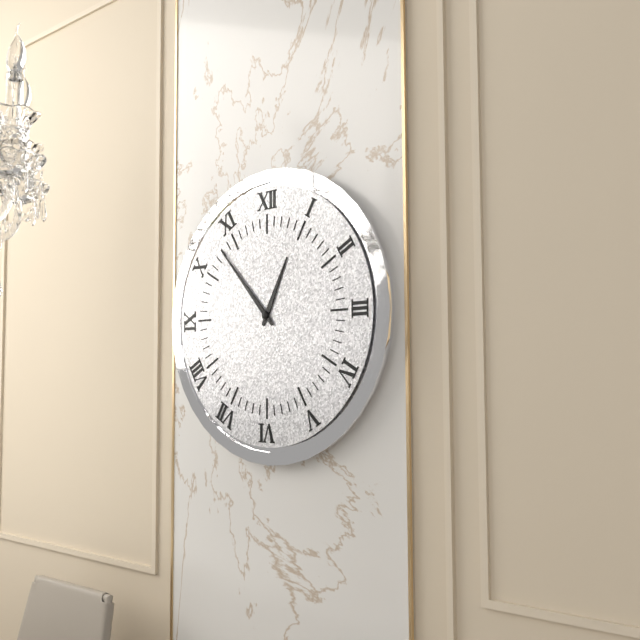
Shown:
12h53
